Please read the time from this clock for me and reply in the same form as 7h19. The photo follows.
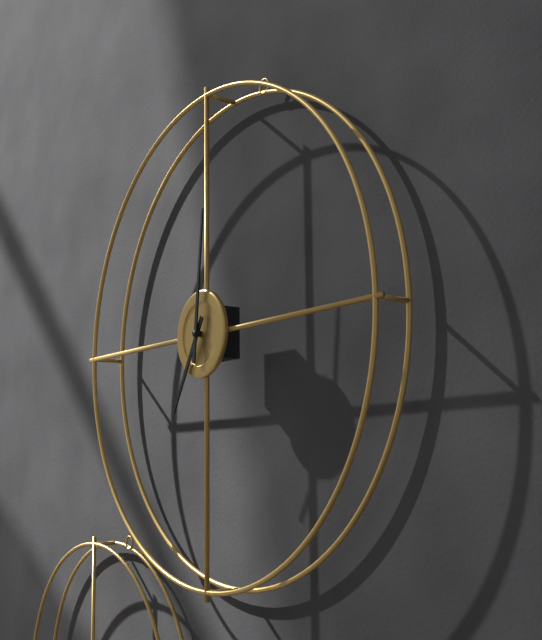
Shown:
7h01
